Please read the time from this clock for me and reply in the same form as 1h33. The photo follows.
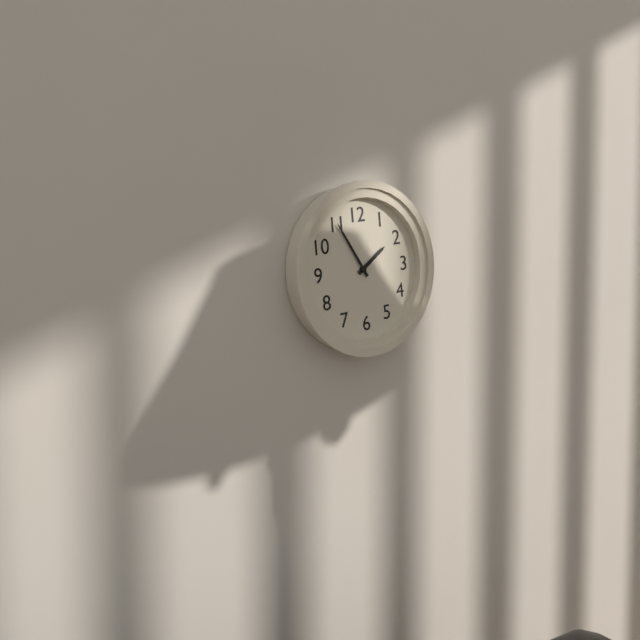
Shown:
1h55
